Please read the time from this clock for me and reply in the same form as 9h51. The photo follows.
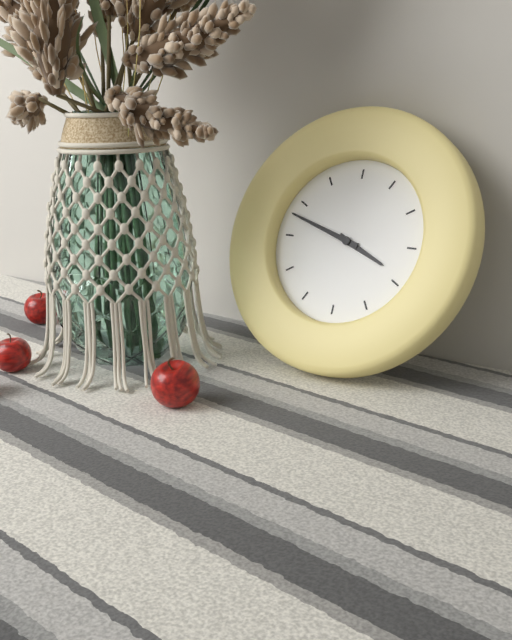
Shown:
3h48
